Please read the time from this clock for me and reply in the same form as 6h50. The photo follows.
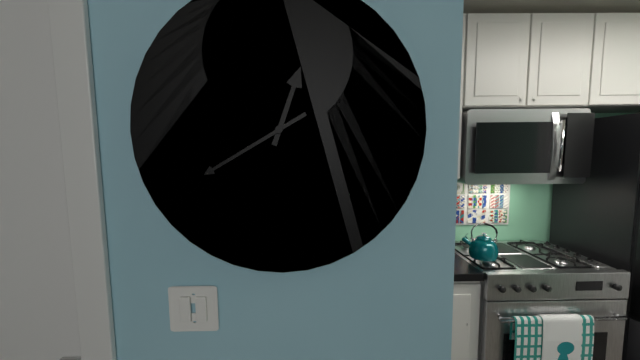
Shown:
12h40
